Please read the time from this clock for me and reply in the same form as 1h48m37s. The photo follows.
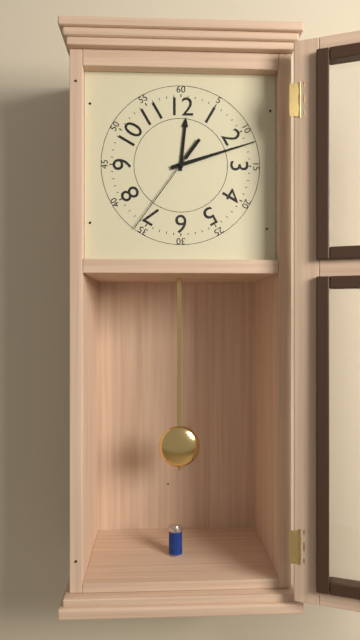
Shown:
12h12m36s
